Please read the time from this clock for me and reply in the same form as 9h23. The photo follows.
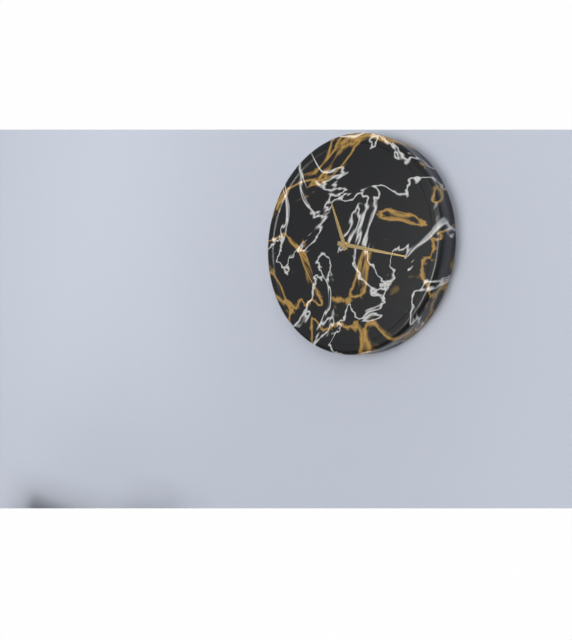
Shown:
11h17
